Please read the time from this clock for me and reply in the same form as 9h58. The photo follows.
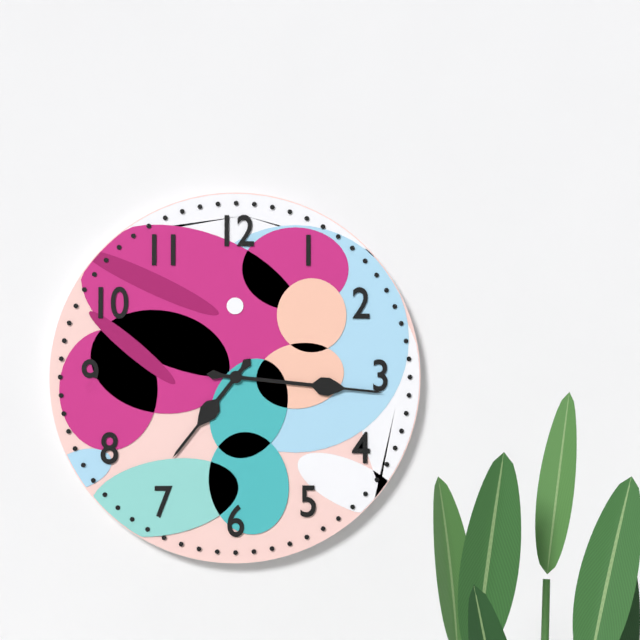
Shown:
7h16
